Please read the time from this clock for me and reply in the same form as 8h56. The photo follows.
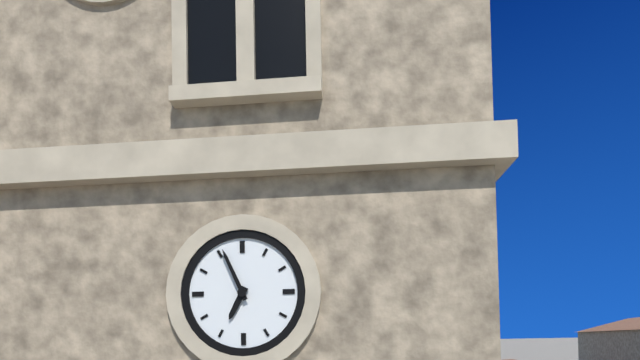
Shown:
6h56
